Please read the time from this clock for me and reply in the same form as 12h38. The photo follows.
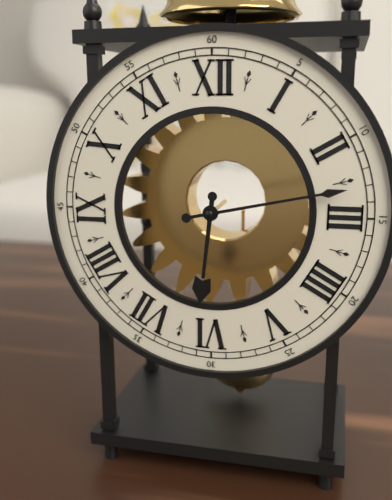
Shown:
6h13
